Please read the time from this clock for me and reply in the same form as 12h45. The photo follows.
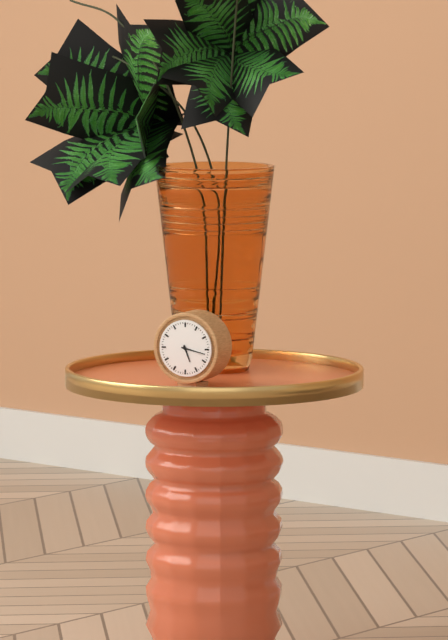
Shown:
5h17
